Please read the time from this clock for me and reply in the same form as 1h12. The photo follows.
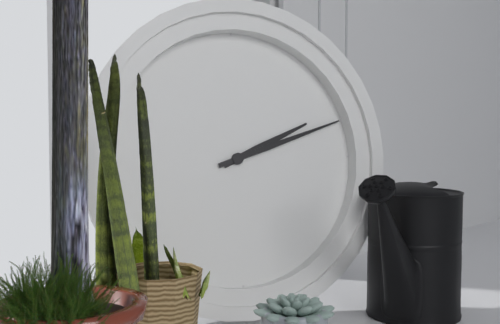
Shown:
2h12
